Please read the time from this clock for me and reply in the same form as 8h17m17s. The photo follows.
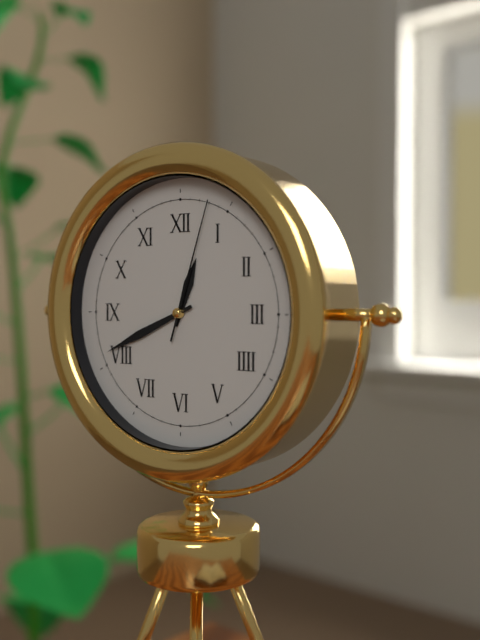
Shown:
12h41m03s
